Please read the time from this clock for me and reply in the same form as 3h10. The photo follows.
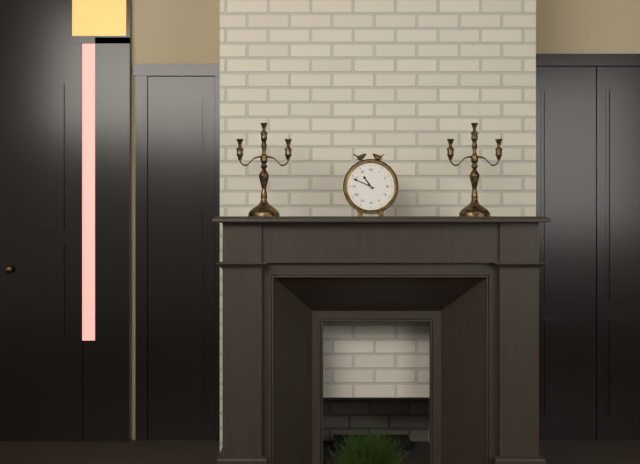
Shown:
10h49
